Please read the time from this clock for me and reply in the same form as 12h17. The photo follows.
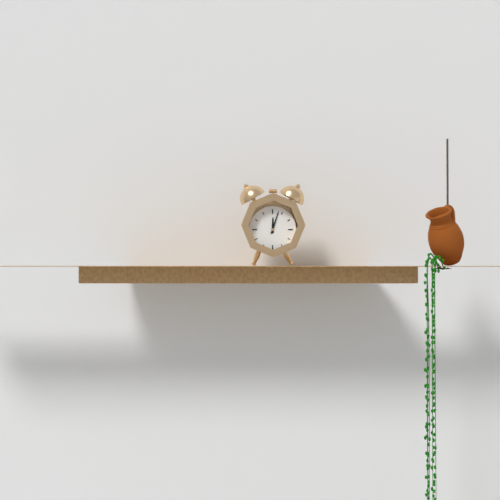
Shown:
12h03
